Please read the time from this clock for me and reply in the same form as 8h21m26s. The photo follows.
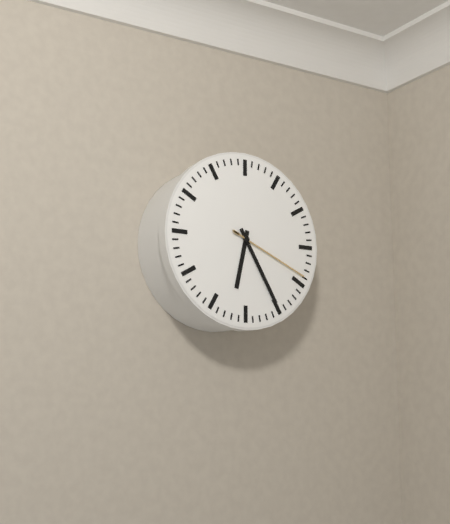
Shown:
6h25m19s
